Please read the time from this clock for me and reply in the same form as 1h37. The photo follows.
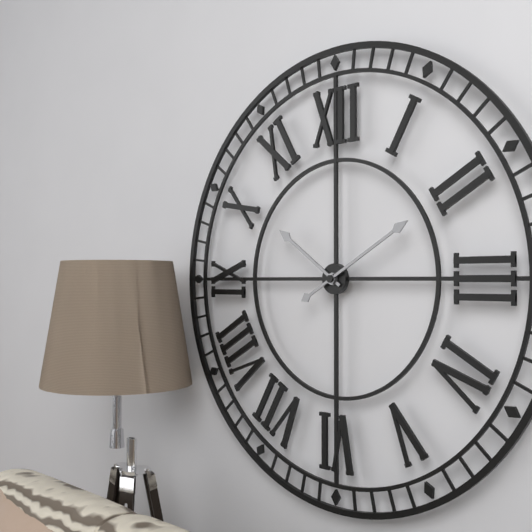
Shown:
10h10
